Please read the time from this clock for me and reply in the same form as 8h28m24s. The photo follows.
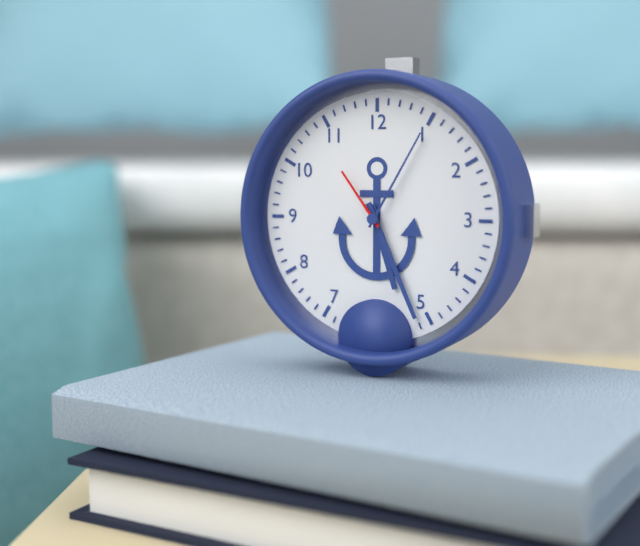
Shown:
5h26m54s
